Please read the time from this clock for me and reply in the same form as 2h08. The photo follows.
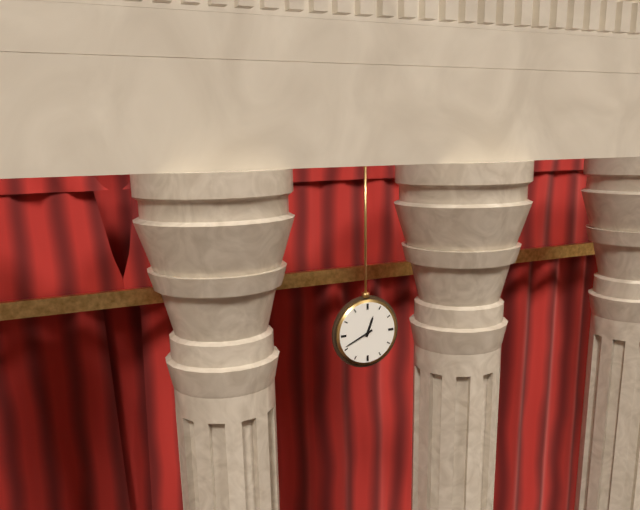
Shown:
12h41
